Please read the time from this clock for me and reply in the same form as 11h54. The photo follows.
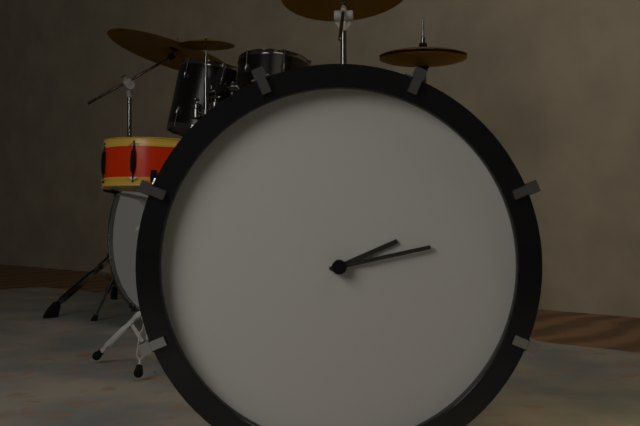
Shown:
2h13
